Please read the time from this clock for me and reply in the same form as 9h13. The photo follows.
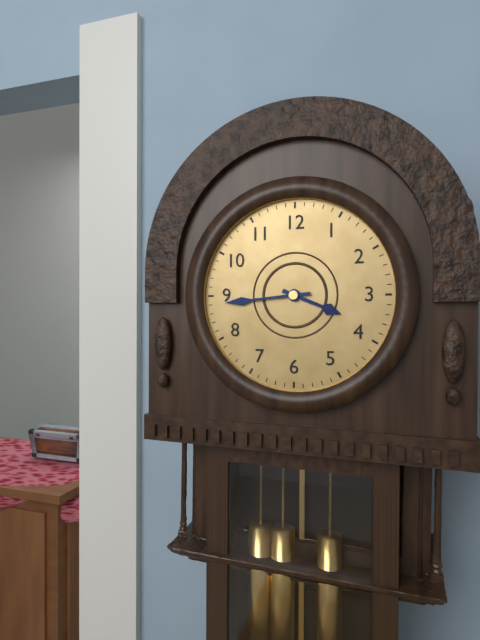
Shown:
3h44
